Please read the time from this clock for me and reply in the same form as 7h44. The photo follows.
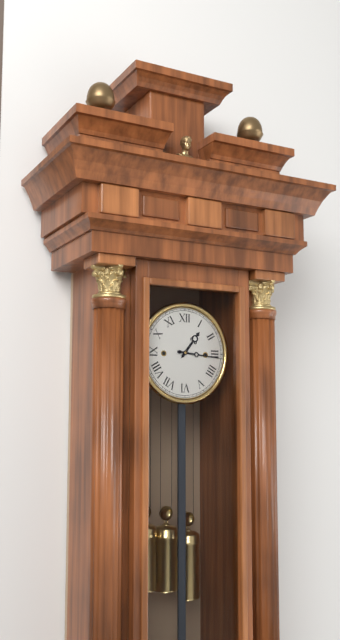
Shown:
1h16
